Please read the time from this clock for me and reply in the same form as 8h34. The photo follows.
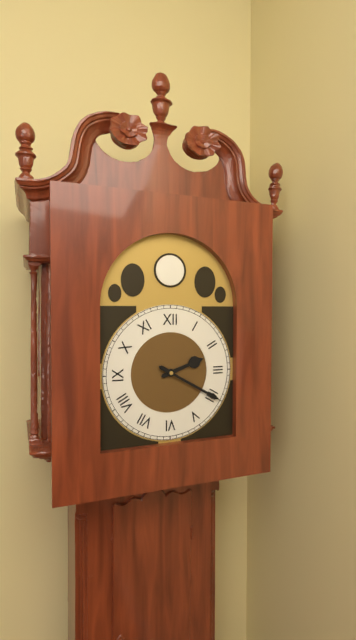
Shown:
2h20
